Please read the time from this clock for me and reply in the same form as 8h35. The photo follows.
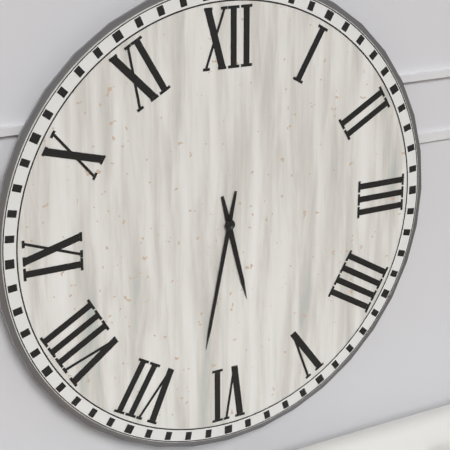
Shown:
5h32
